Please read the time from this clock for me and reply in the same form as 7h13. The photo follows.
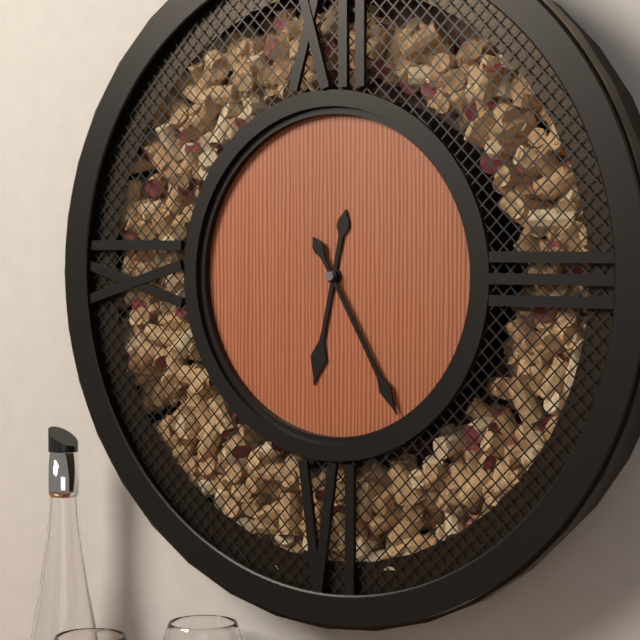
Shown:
6h25
